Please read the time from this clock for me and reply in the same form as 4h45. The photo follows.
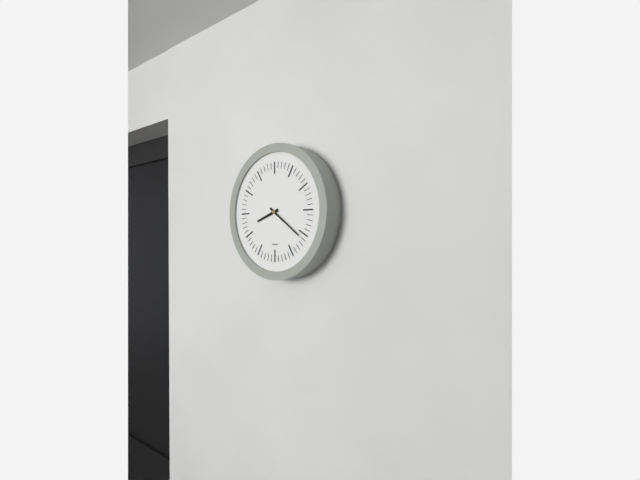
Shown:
8h21
